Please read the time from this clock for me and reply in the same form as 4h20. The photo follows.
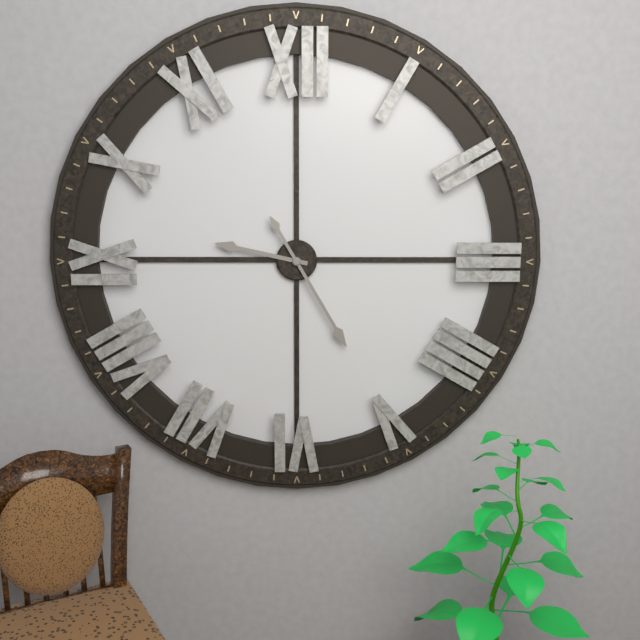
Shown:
9h25
